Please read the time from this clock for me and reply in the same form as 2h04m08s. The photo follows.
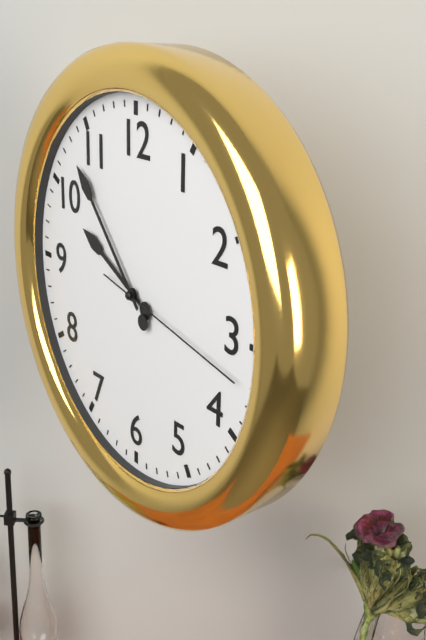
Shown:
9h53m17s
